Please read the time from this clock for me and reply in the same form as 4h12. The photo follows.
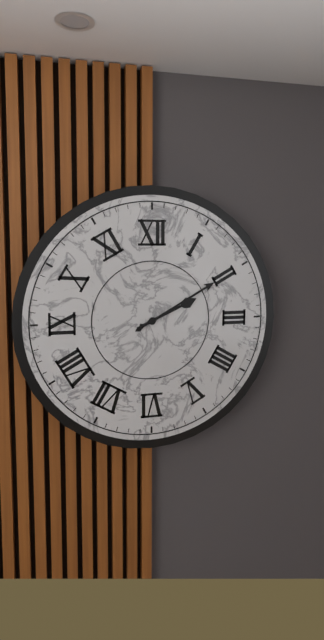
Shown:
2h10
